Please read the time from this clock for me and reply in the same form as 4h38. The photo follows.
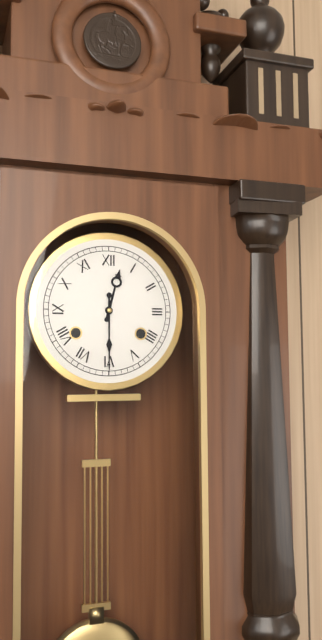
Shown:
12h30
